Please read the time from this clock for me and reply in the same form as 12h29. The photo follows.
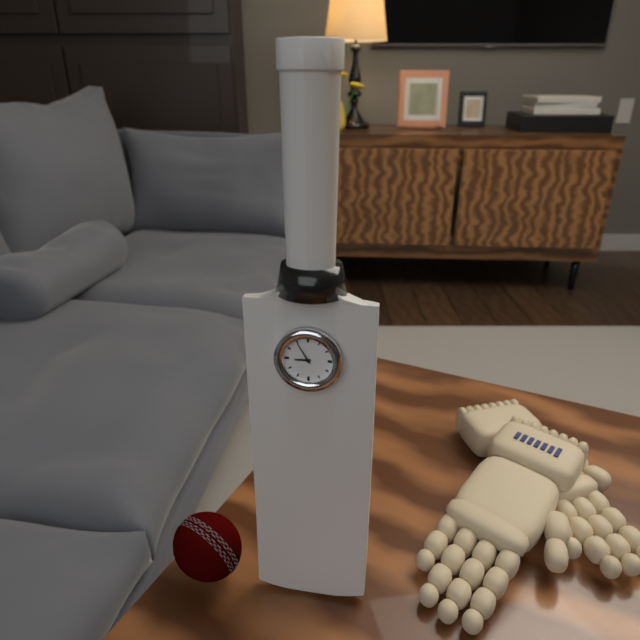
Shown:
8h55
